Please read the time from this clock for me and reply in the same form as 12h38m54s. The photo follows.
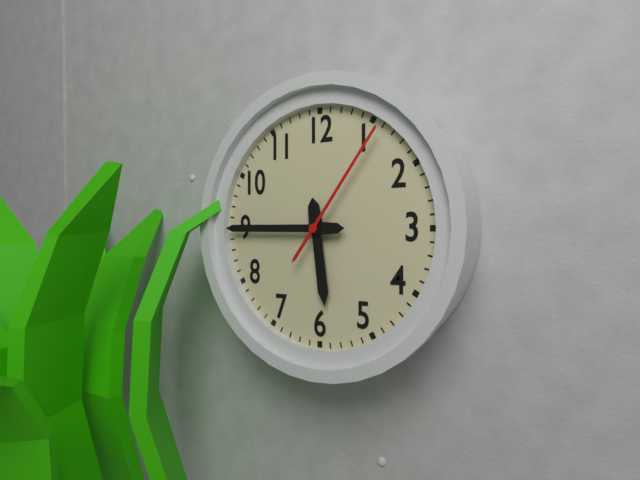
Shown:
5h45m06s
